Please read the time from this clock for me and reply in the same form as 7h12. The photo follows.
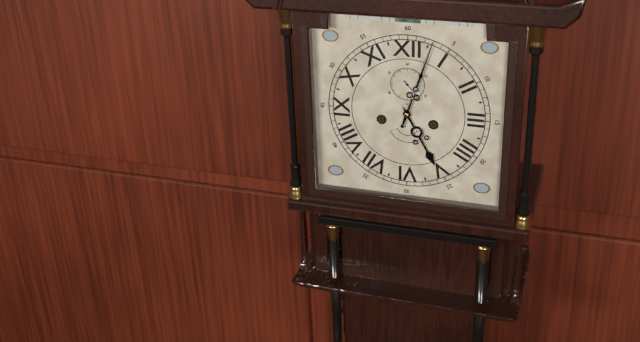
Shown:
5h03
